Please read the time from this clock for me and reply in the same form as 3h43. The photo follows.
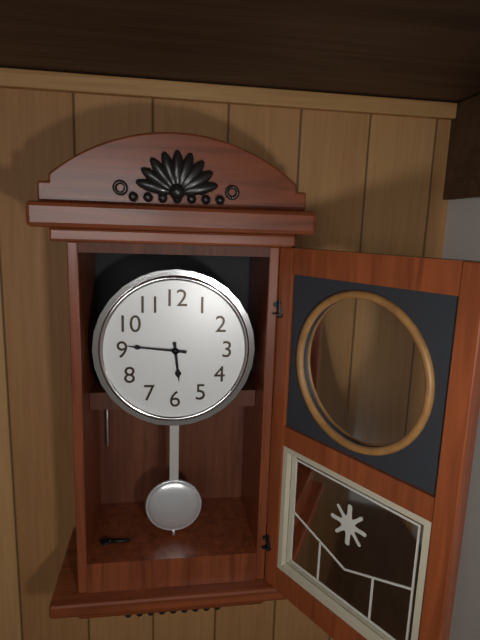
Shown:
5h46
